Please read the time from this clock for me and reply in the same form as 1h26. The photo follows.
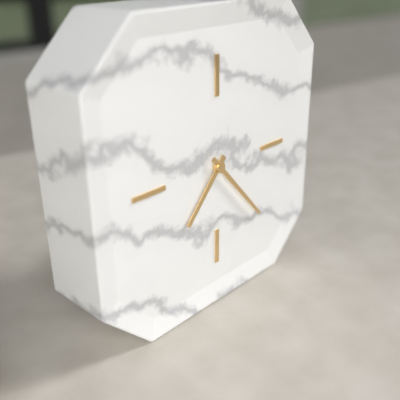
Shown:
7h23
